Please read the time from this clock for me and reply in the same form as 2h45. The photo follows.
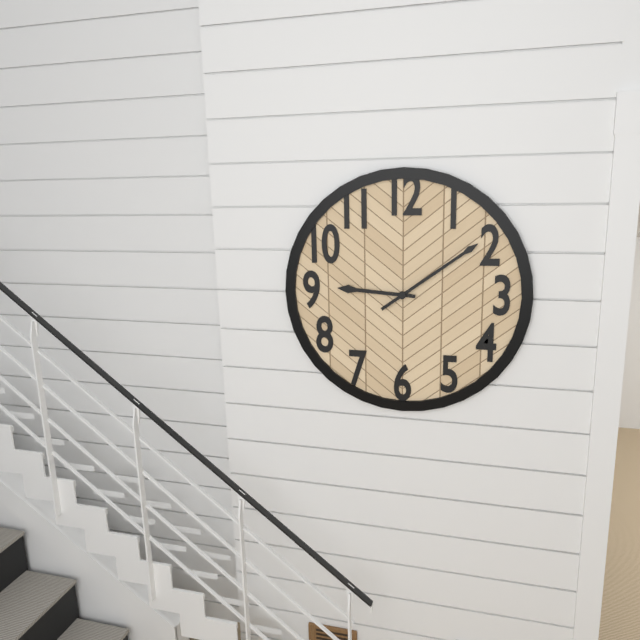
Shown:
9h09
